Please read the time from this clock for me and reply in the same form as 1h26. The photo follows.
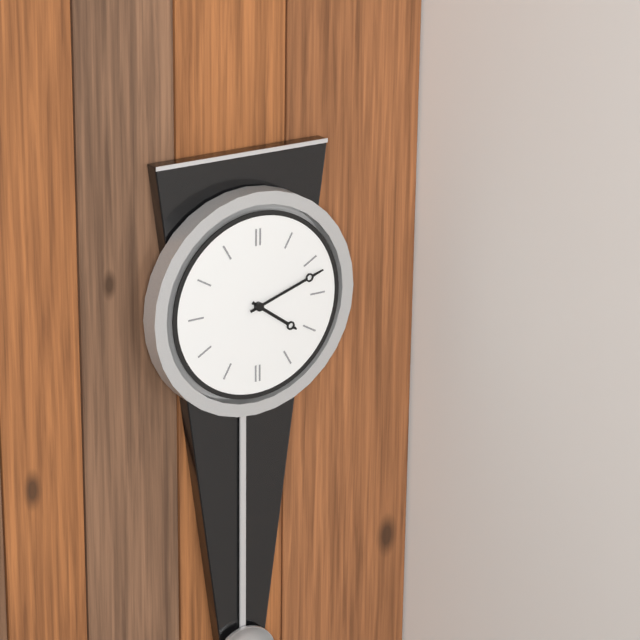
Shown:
4h12
